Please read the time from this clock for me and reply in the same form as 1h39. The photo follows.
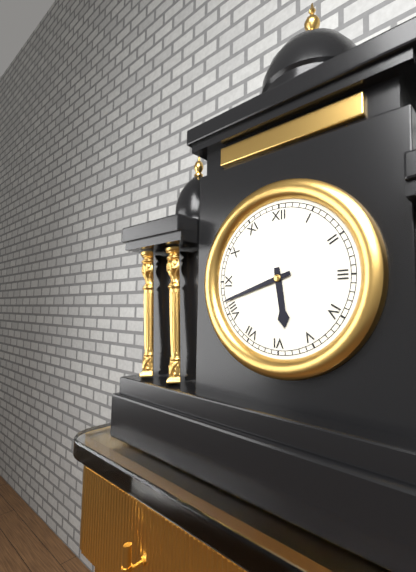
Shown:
5h42
